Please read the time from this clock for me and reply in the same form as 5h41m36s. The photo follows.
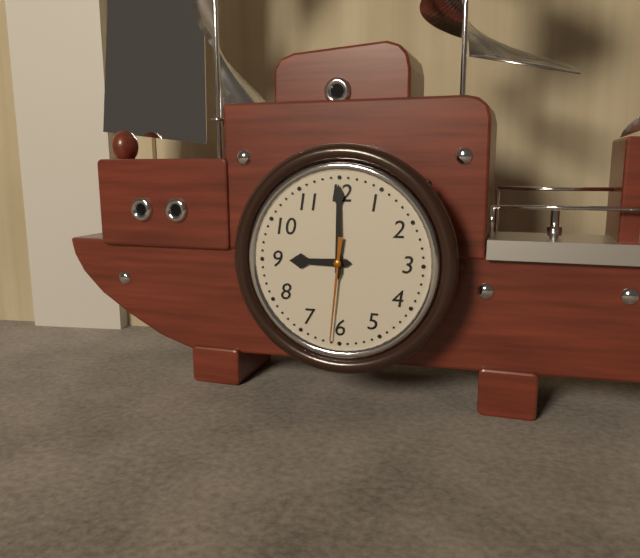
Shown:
9h00m31s
